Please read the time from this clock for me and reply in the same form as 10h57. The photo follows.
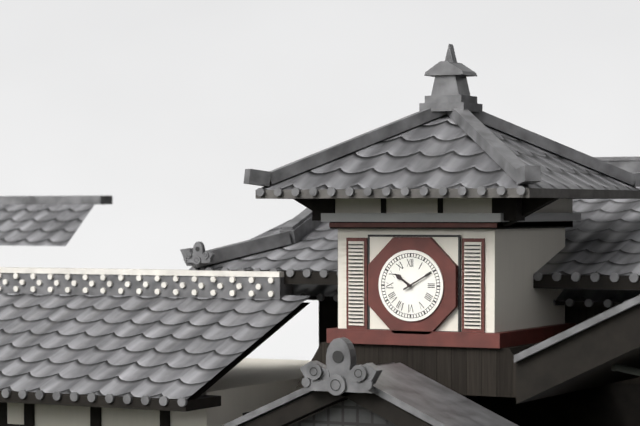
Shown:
10h10
